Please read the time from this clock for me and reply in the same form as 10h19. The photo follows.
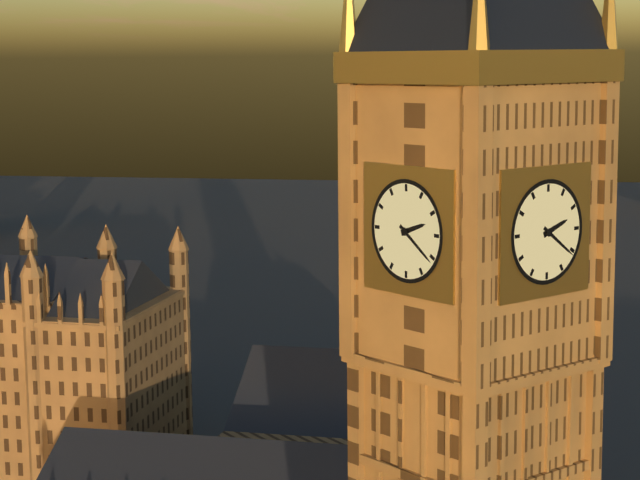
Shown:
2h21
